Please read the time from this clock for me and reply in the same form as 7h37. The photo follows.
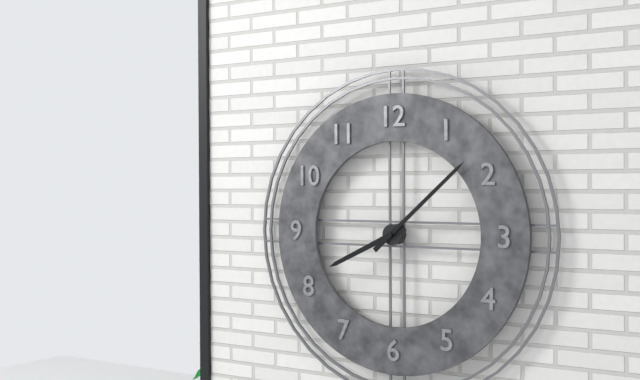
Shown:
8h08
